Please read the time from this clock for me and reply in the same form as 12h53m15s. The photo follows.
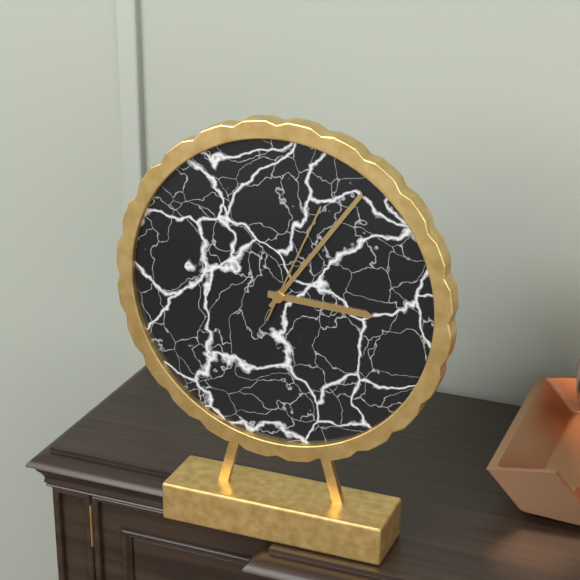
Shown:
3h06m04s
